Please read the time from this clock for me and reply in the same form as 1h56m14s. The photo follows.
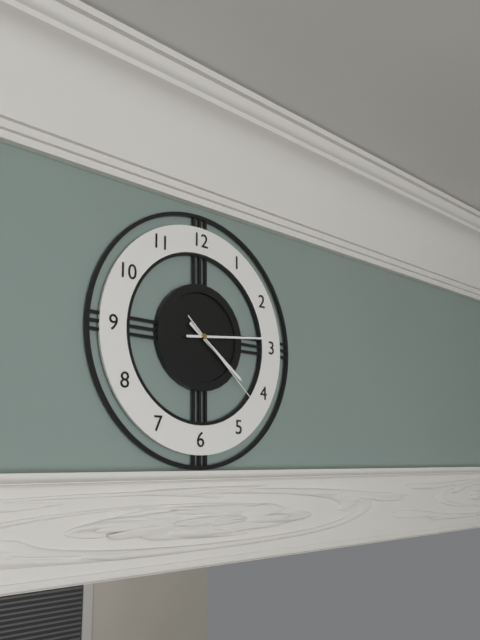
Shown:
4h14m22s
